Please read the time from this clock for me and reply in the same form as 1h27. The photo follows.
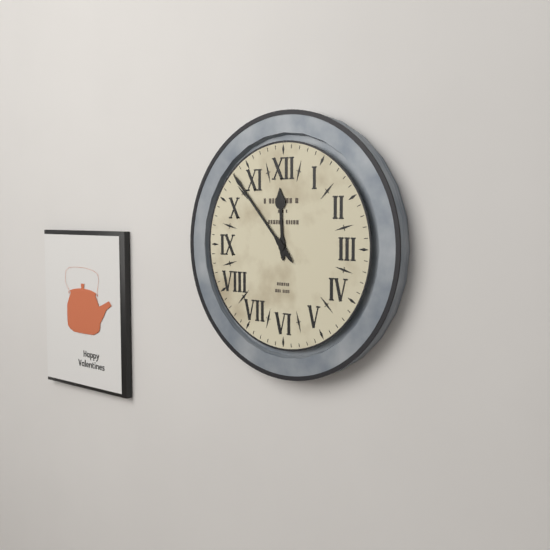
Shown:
11h53
